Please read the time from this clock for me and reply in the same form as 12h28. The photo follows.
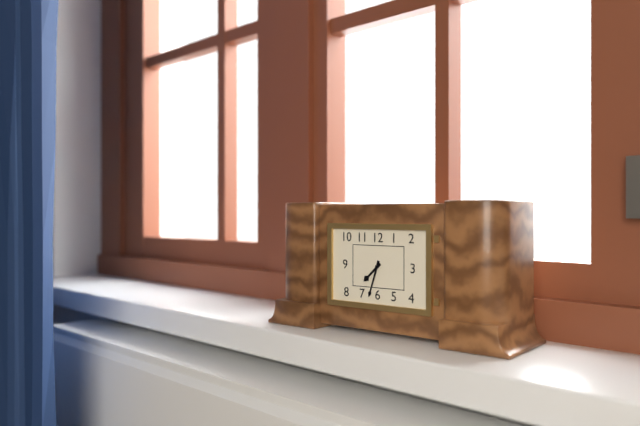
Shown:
7h33
